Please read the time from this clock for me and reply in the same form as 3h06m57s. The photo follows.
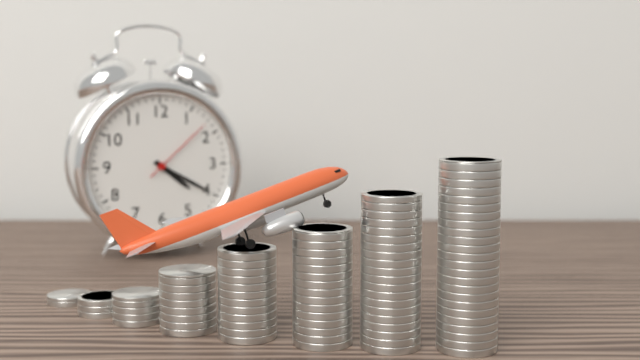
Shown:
4h20m08s
